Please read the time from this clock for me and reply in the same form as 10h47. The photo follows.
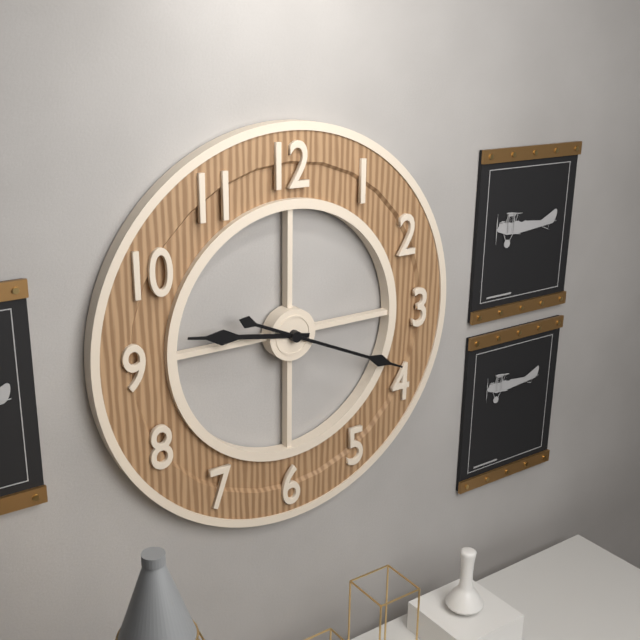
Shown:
9h19
